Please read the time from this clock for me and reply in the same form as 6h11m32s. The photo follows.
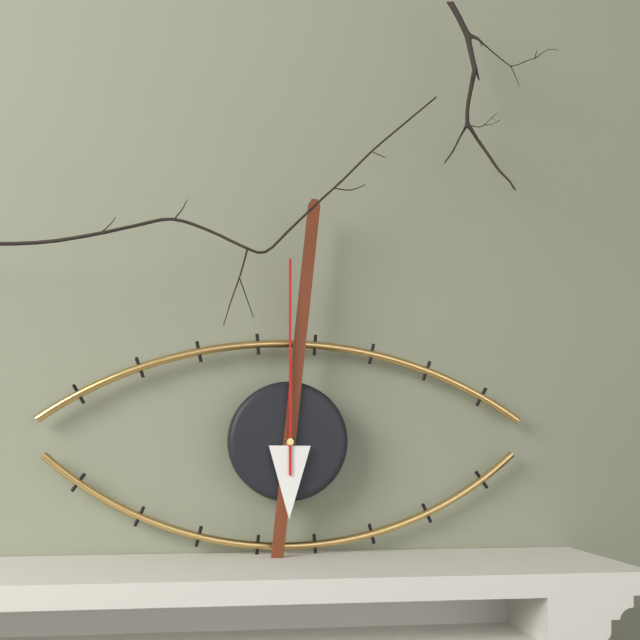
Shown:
6h01m00s
